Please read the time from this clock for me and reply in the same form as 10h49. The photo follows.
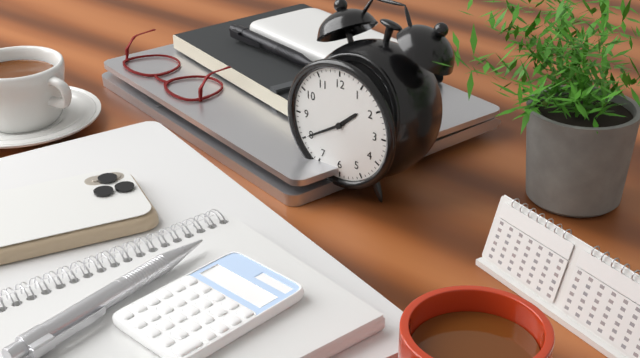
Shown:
1h40
